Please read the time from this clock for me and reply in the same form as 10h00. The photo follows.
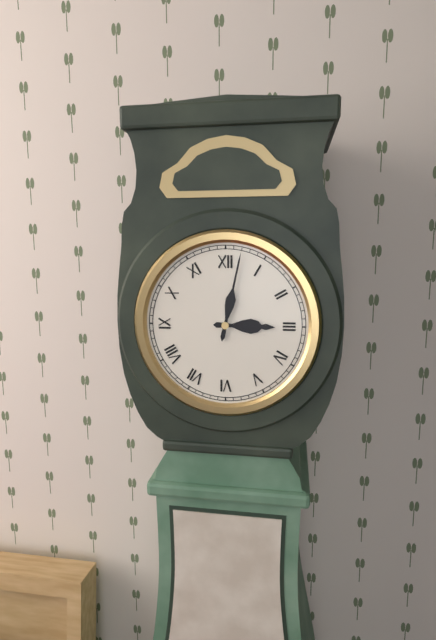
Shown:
3h02
